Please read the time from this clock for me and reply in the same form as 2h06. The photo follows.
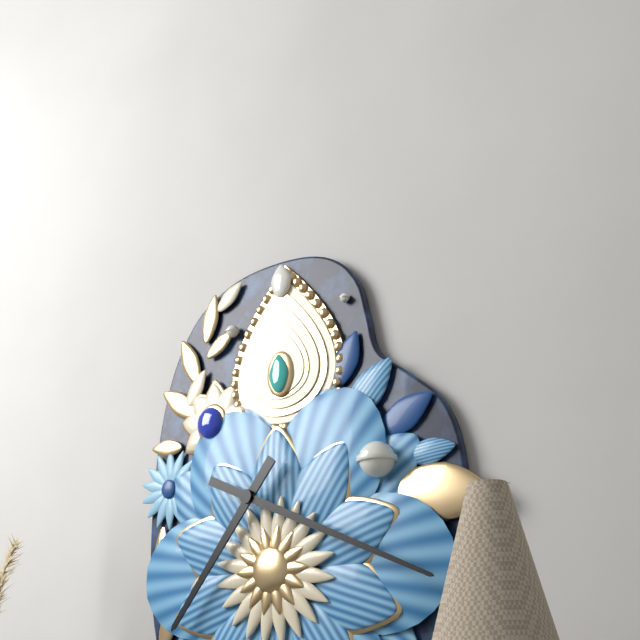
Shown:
7h19
